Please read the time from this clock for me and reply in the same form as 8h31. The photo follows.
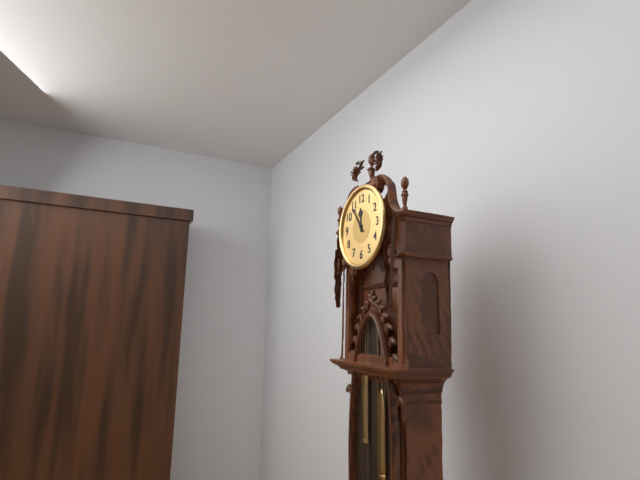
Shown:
11h54
